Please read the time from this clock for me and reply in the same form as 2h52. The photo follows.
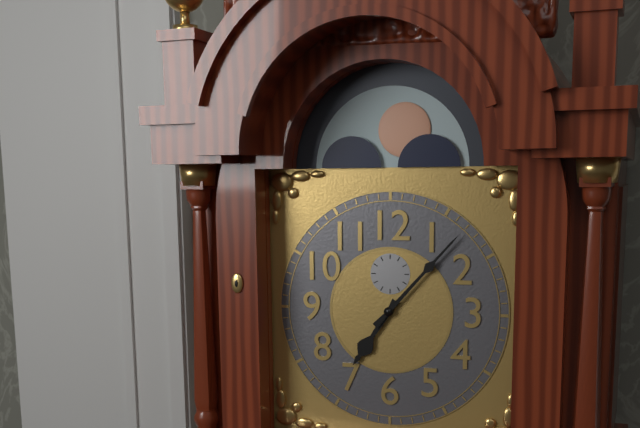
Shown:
7h07
